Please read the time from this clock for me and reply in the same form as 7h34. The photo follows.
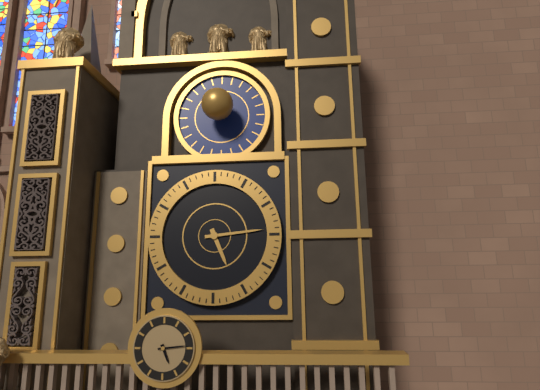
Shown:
5h14
